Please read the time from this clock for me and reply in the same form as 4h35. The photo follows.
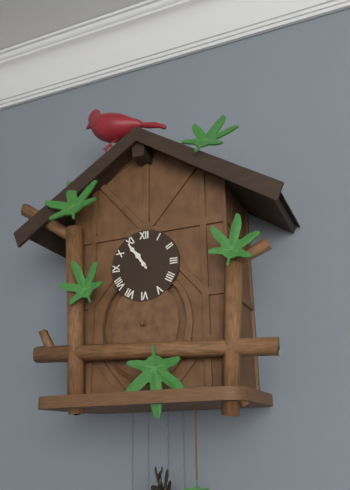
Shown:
10h54
